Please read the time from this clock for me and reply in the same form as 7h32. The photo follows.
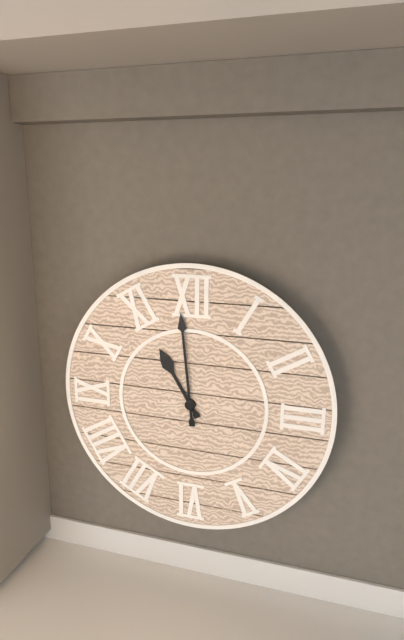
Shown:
10h59
